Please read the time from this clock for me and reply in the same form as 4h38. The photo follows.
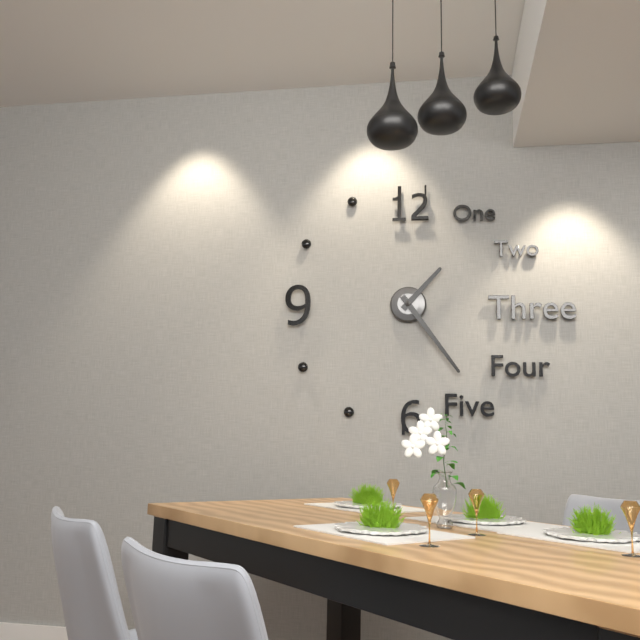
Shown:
1h24
